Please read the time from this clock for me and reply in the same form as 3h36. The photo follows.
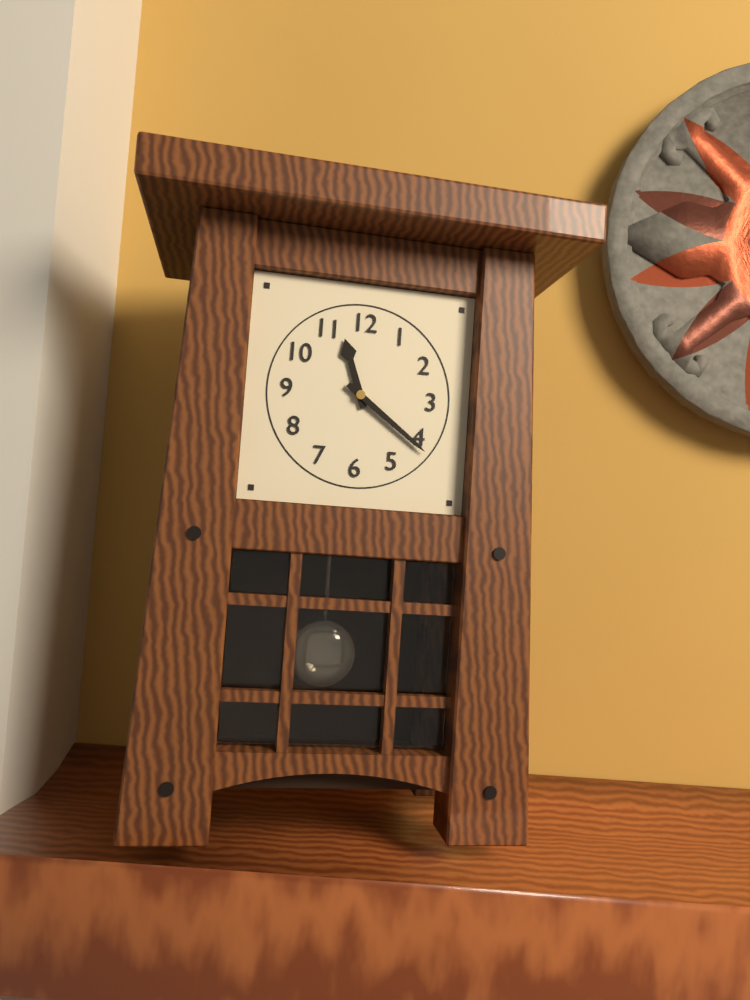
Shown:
11h21
